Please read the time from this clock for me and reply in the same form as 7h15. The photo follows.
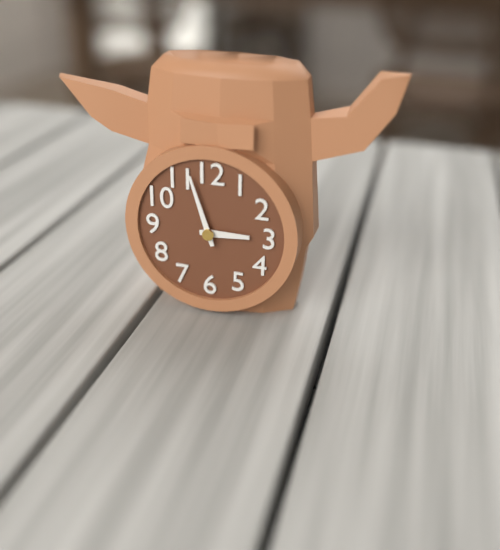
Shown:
2h57
